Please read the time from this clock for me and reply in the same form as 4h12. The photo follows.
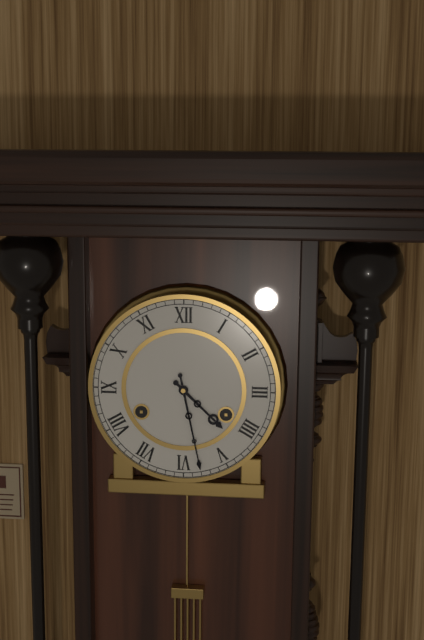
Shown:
4h28
